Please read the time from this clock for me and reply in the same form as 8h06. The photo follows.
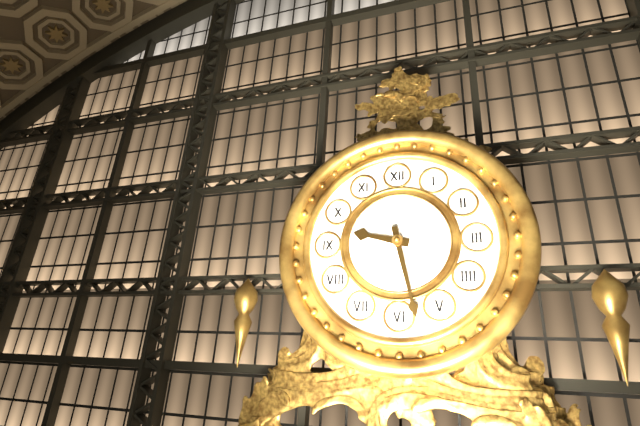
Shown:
9h28
